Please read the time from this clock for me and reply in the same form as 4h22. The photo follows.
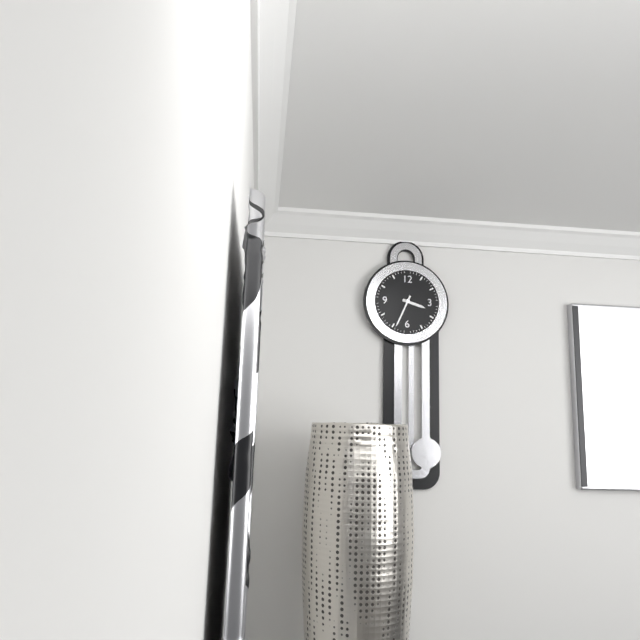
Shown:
3h34
